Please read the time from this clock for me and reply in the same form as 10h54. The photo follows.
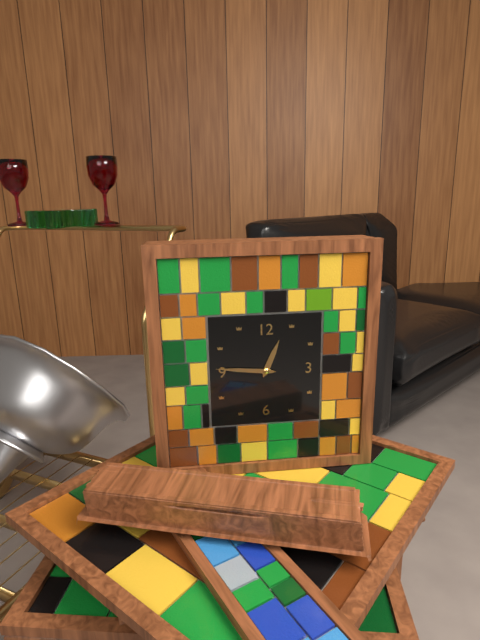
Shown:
12h46
